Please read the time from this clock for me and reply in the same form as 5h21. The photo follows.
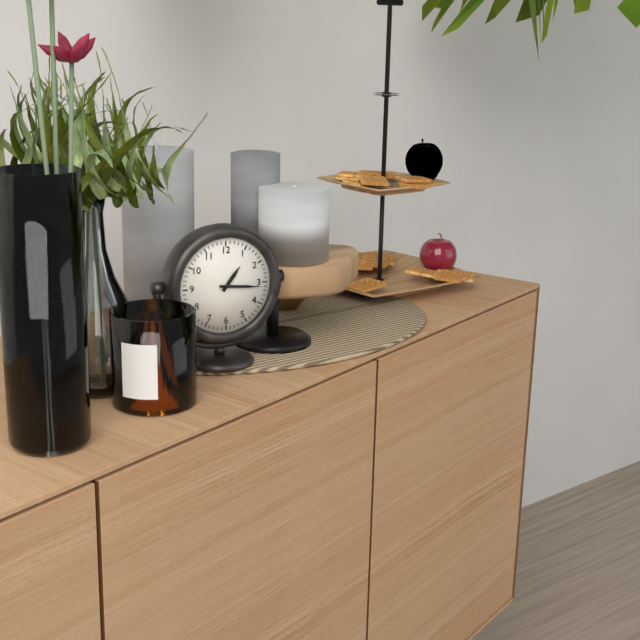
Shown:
1h16
